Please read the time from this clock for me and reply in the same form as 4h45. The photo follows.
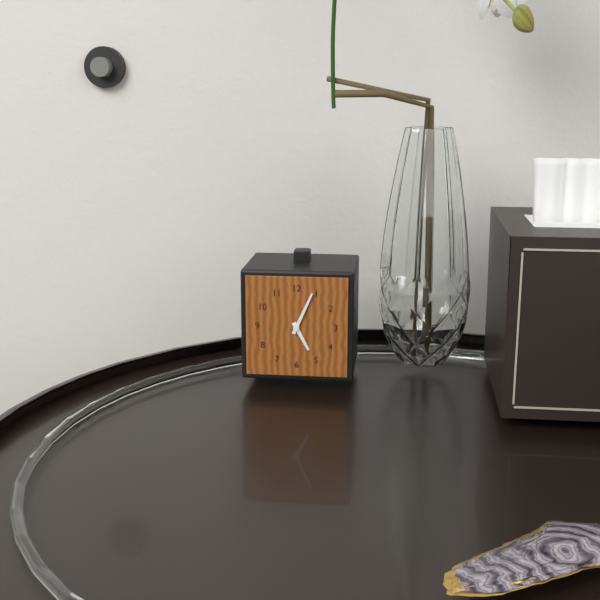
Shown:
5h04
